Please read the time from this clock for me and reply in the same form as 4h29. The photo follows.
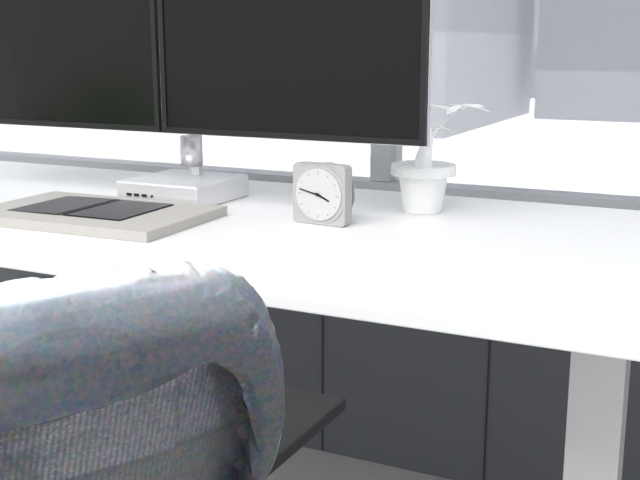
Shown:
3h47
